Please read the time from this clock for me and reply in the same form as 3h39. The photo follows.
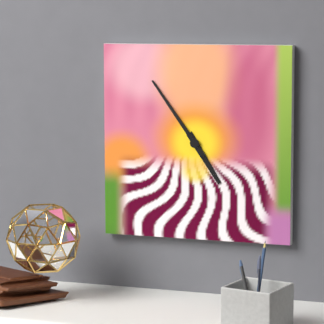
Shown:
4h54
